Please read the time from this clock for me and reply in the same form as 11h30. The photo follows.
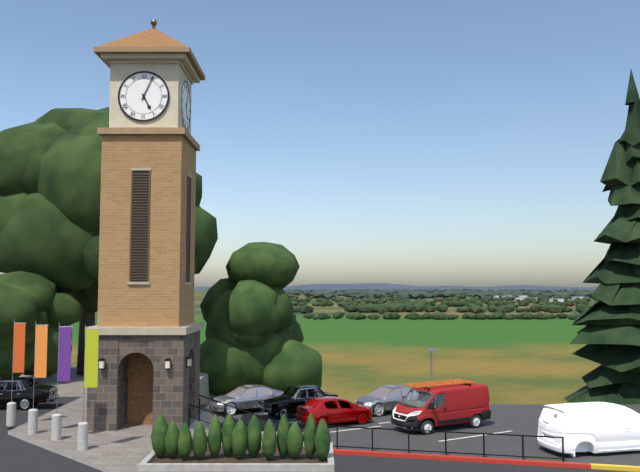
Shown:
5h04
